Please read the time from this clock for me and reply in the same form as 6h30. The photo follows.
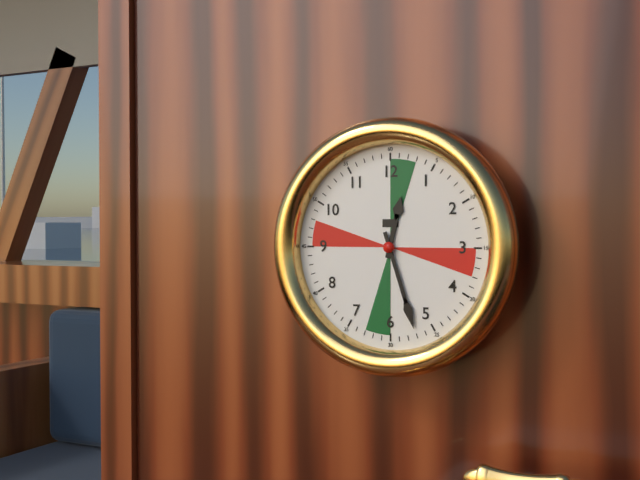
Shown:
12h27
